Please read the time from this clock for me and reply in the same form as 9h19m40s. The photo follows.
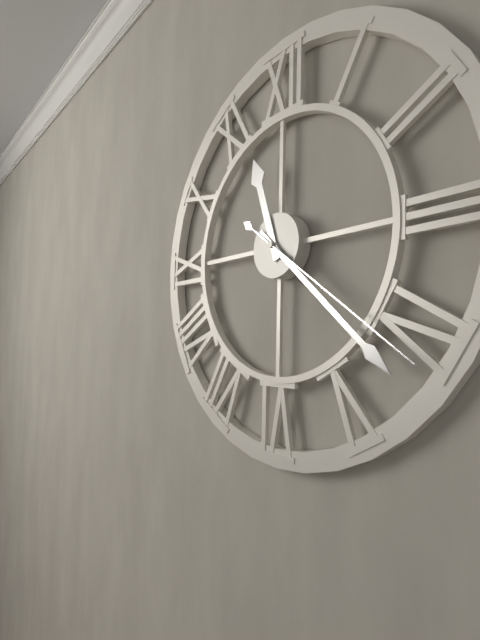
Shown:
11h22m21s
